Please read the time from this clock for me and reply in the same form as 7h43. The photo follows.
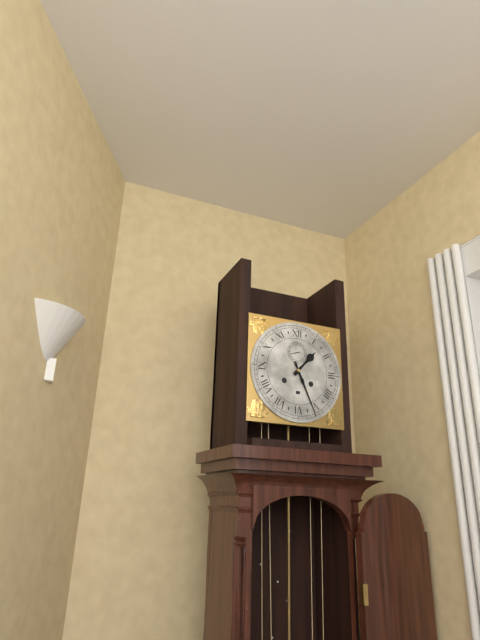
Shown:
1h26
